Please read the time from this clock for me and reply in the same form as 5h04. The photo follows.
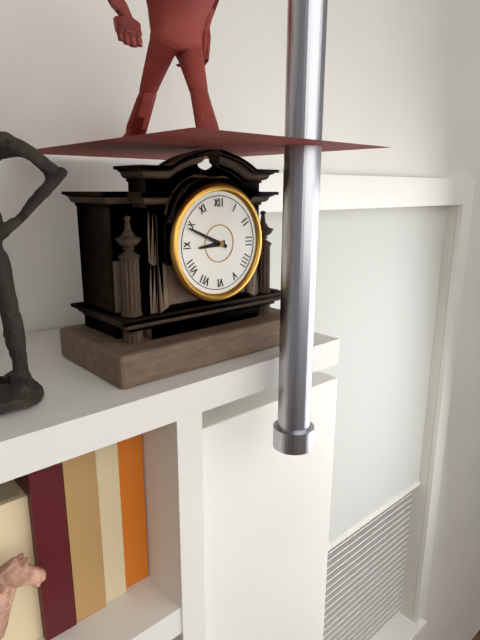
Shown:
8h49
